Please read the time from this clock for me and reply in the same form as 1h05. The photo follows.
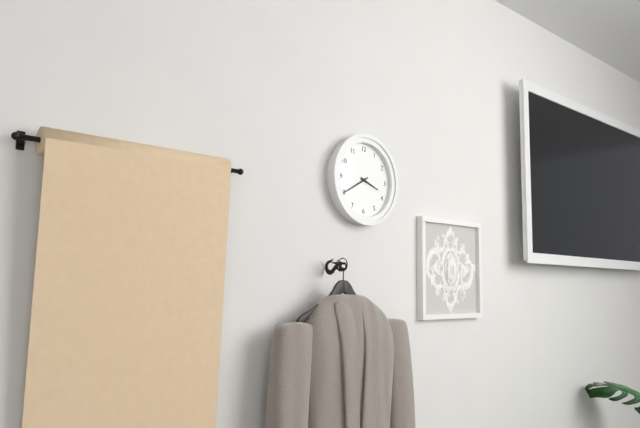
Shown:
3h40
